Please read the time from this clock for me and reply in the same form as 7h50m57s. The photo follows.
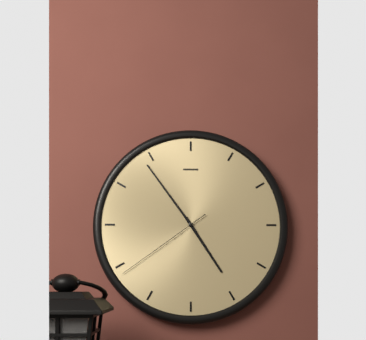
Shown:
4h54m39s
